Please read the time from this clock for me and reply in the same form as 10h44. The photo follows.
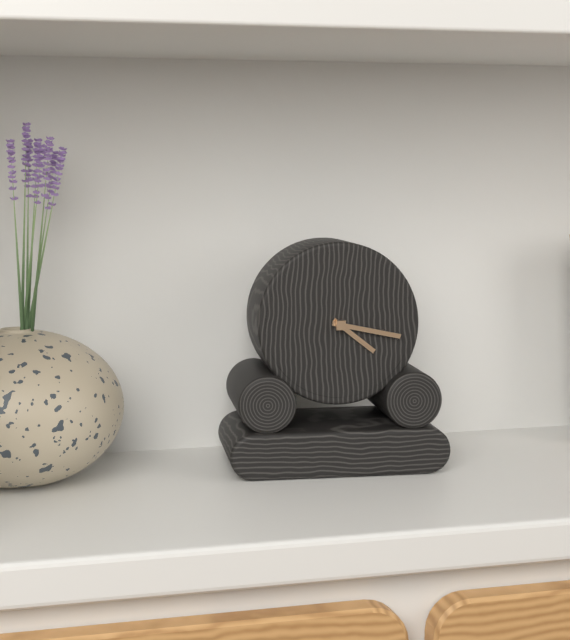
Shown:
4h17
